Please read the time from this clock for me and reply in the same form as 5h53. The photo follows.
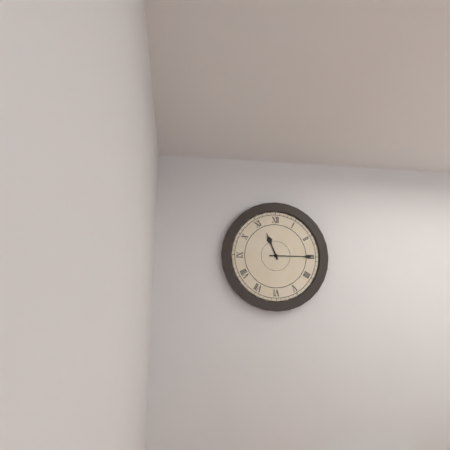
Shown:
11h15
